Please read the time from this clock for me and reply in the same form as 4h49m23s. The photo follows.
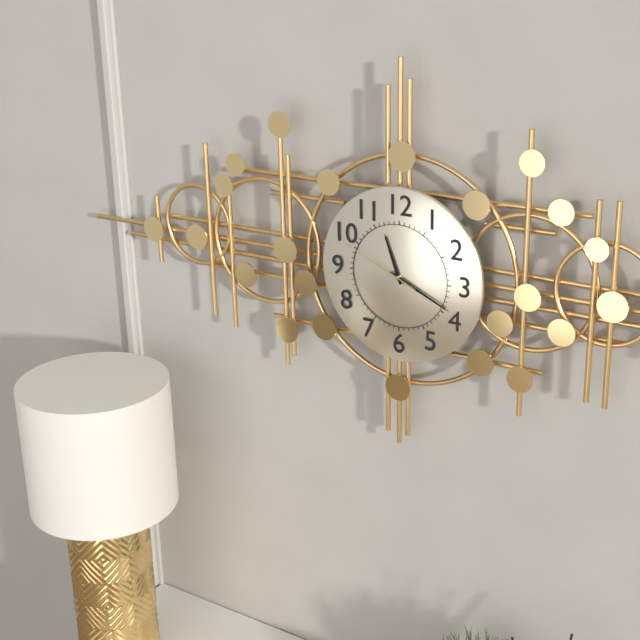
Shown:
11h19m49s
